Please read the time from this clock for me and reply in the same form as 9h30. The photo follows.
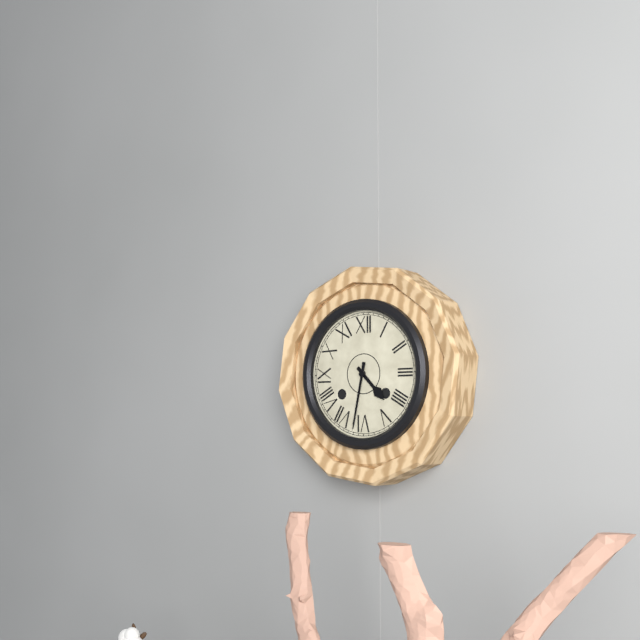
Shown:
4h32
